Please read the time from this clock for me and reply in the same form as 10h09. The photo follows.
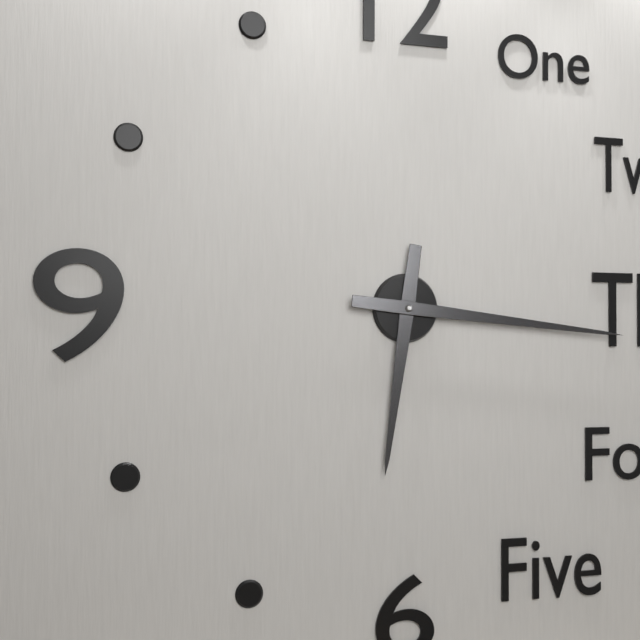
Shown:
6h16
